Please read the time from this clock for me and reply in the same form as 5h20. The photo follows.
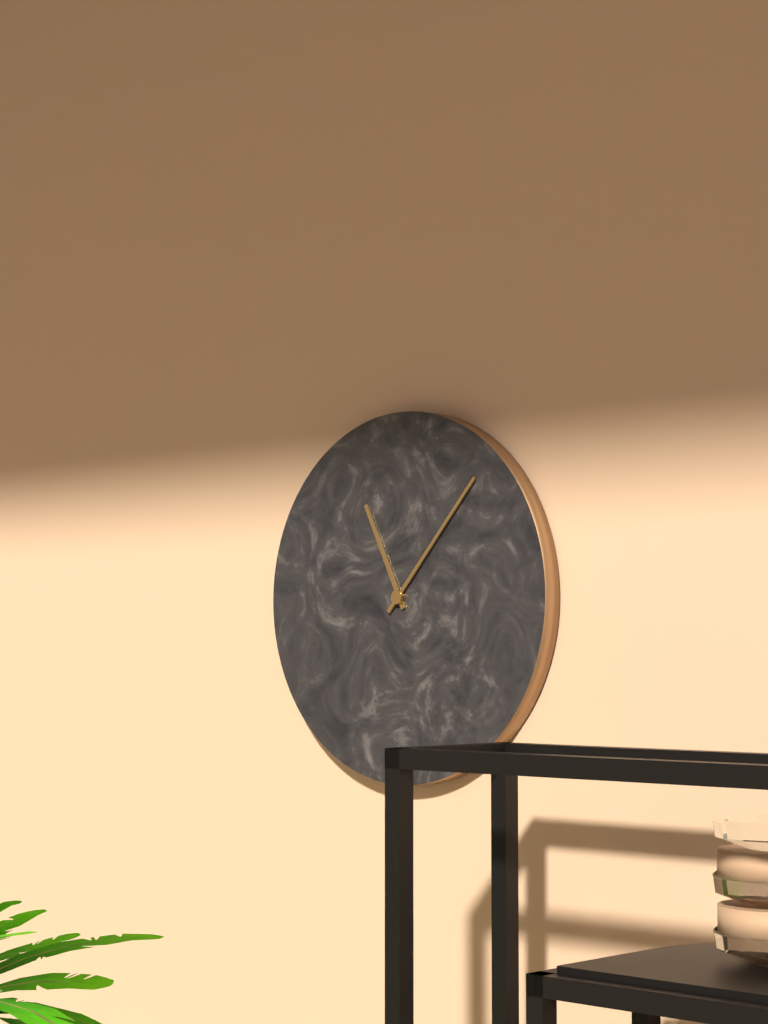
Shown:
11h07
